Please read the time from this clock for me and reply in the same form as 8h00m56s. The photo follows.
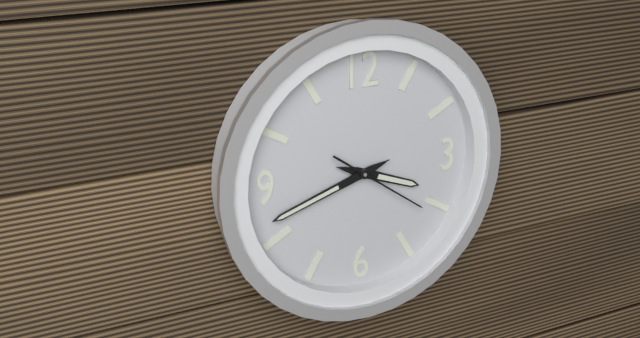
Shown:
3h42m21s
